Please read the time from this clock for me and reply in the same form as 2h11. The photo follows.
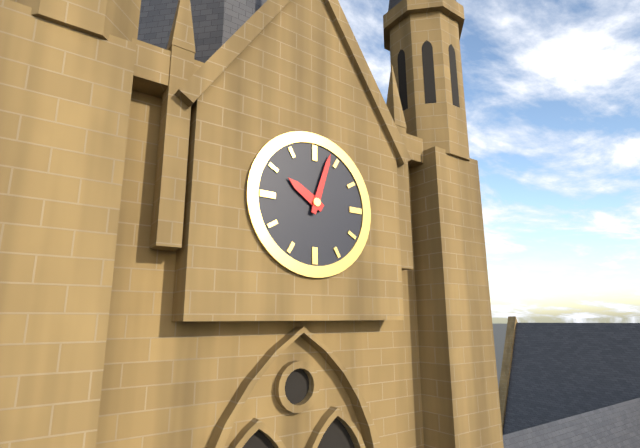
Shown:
10h03
